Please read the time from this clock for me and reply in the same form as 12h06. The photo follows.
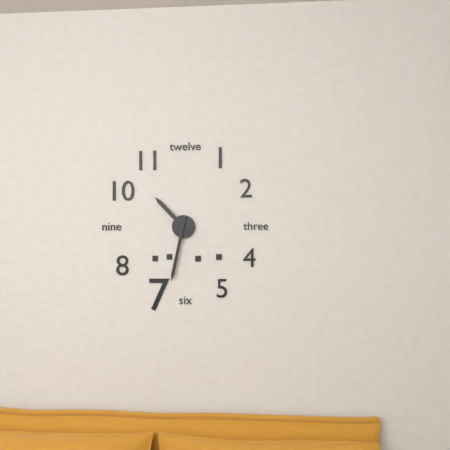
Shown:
10h32
